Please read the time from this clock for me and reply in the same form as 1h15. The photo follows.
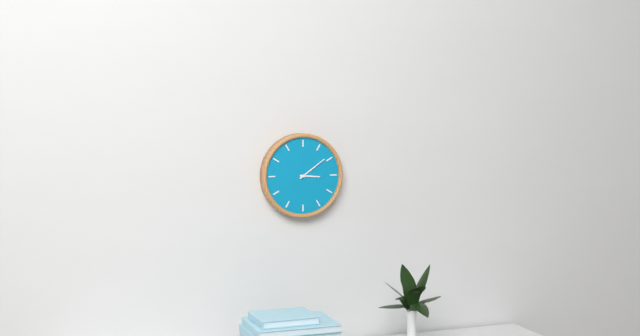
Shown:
3h09
